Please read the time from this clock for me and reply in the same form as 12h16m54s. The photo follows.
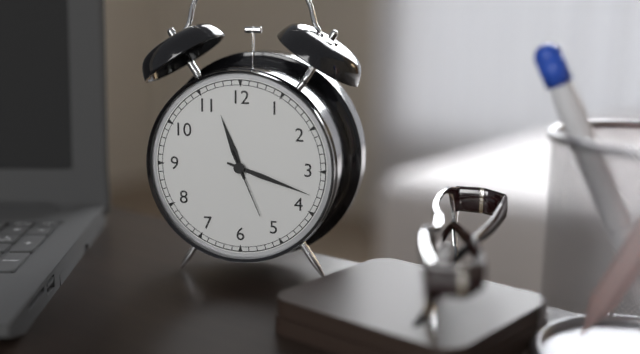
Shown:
11h18m26s
